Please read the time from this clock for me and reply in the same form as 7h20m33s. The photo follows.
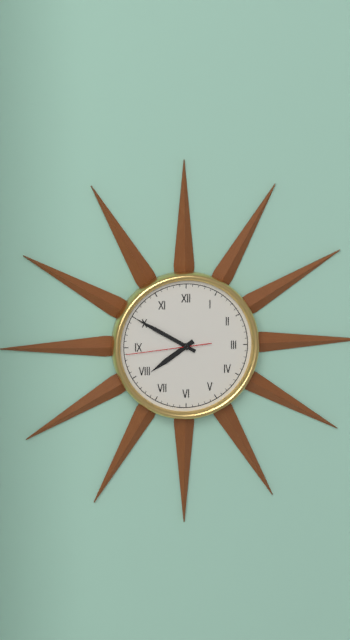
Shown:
7h50m44s
